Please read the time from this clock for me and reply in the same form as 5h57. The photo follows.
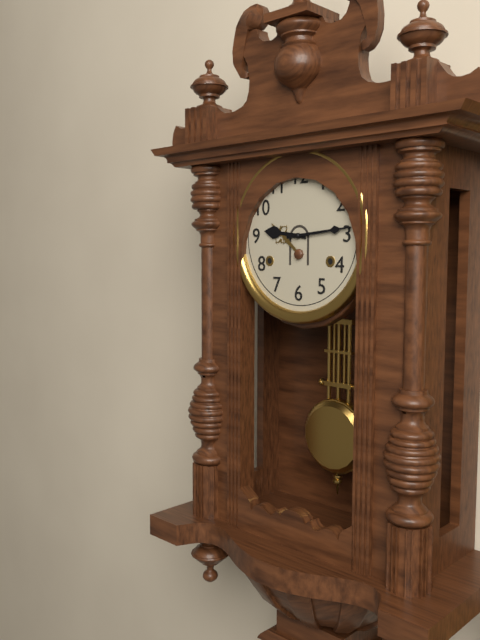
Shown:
9h14
